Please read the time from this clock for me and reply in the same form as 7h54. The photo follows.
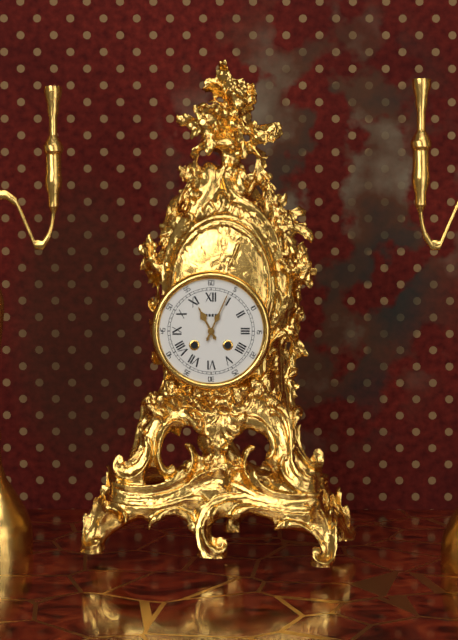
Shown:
11h04
